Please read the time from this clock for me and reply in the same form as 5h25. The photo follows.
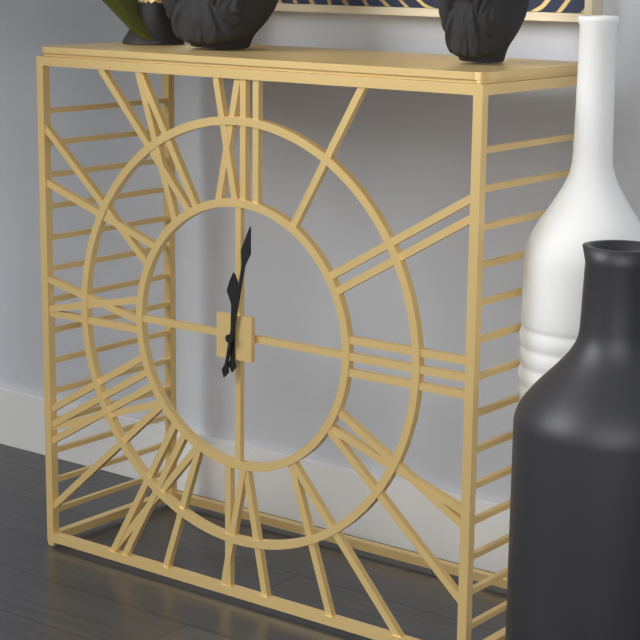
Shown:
12h02
